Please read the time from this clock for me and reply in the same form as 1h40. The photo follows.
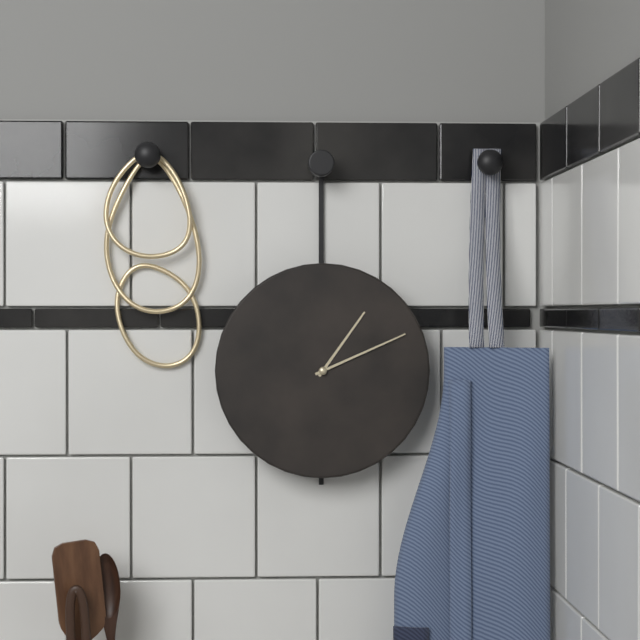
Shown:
1h11
